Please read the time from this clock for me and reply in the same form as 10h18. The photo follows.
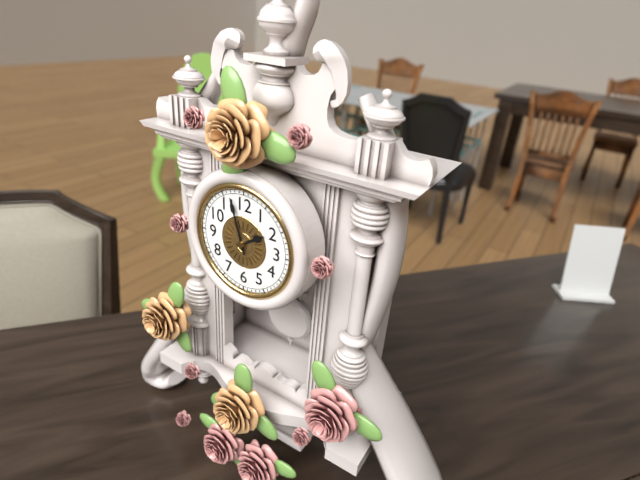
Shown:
1h57
